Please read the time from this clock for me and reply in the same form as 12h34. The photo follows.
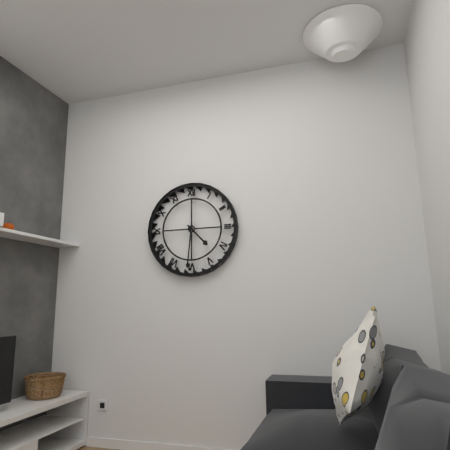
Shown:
4h31
